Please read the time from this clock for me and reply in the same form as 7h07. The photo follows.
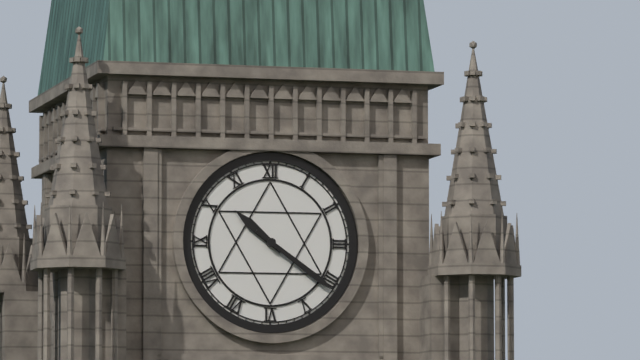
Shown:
10h21
